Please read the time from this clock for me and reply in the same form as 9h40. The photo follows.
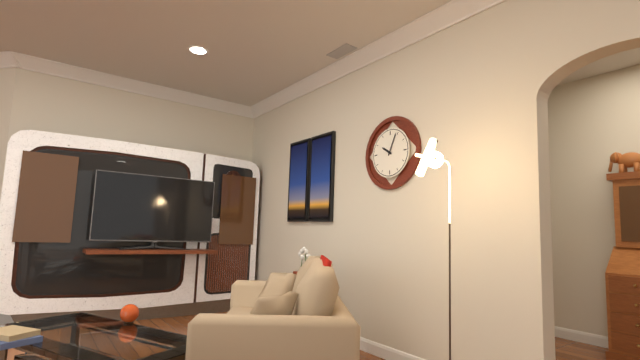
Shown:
10h04
